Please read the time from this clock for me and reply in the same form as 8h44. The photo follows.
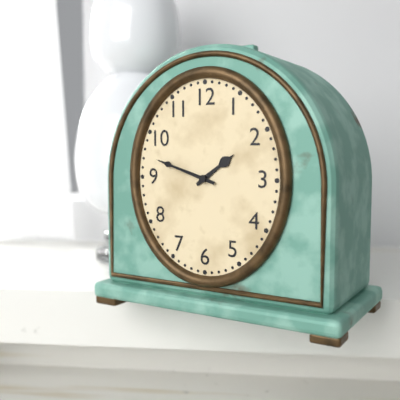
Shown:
1h48
